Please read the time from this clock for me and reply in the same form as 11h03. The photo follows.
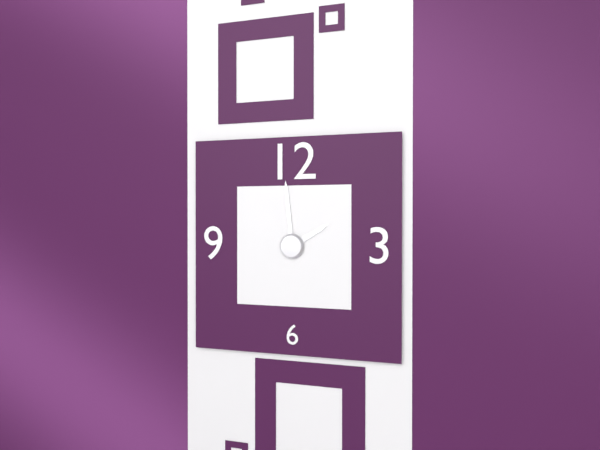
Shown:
1h59
